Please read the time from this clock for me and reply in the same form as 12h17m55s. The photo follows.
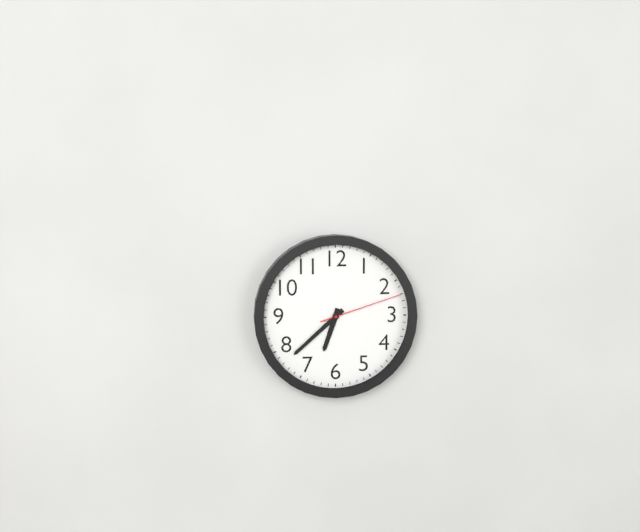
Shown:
6h38m12s
